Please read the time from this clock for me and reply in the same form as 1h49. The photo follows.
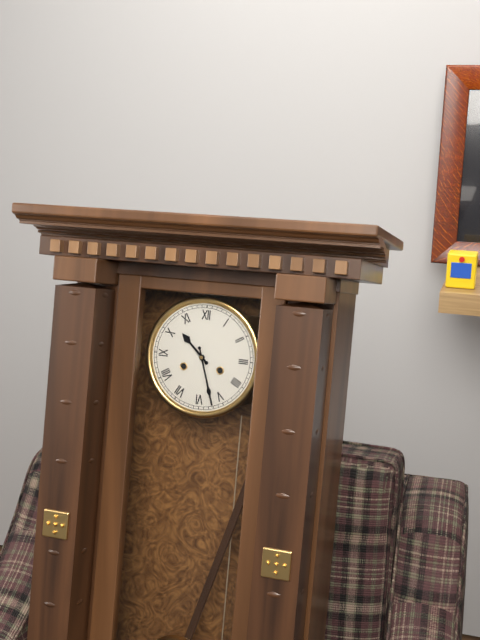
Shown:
10h27
